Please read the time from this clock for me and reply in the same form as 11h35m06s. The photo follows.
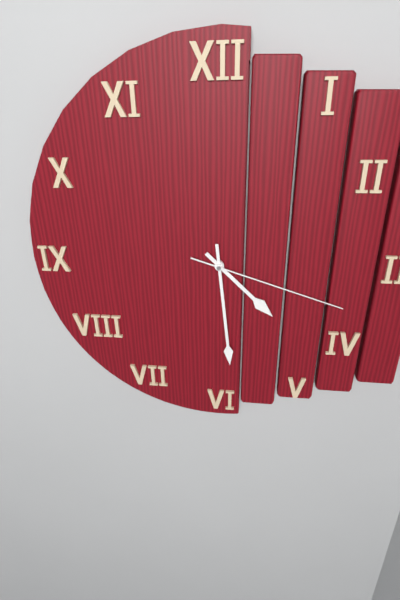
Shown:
4h29m18s
